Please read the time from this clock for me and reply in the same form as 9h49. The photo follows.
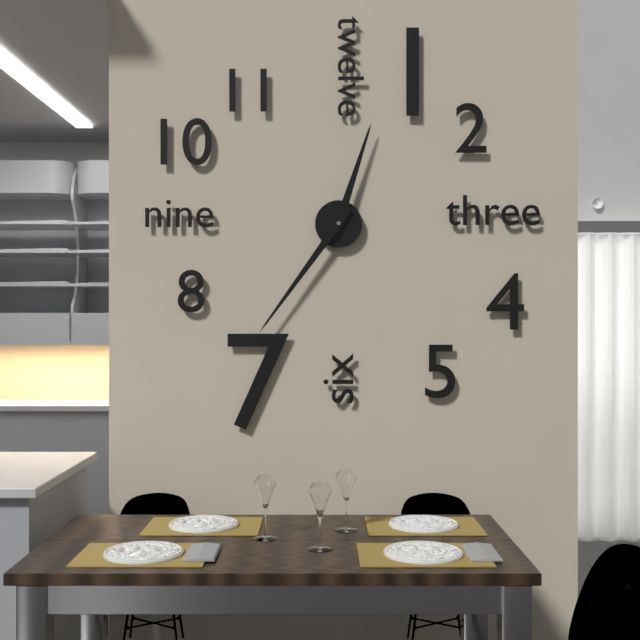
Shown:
12h36
